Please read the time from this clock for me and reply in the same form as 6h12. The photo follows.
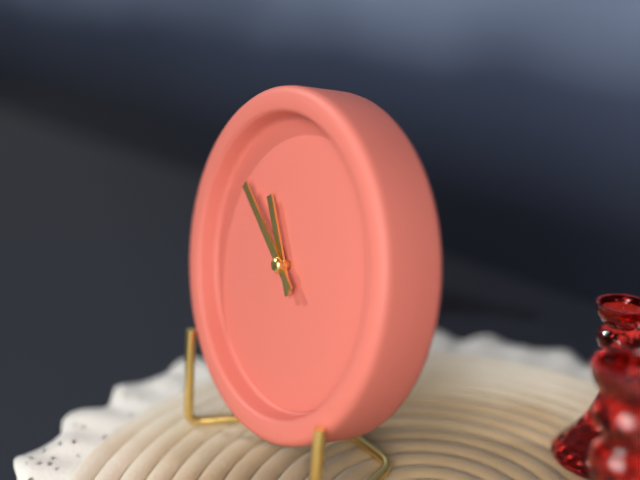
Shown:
10h51
